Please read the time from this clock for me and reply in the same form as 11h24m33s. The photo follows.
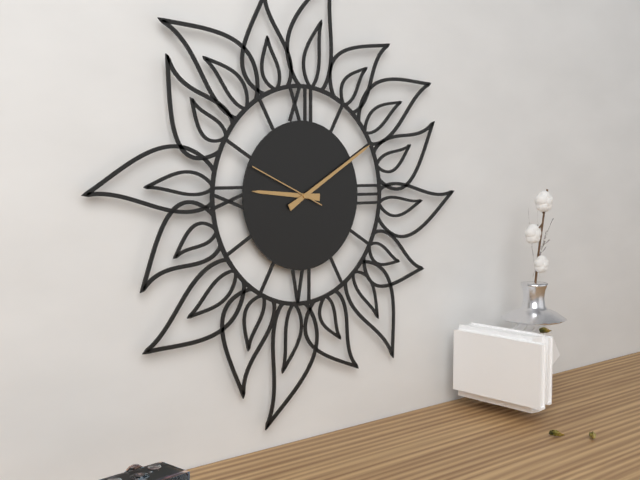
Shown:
9h10m49s
